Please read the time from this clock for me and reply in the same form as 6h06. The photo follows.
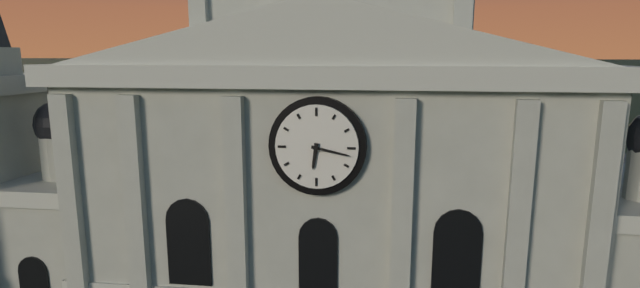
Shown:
6h17
